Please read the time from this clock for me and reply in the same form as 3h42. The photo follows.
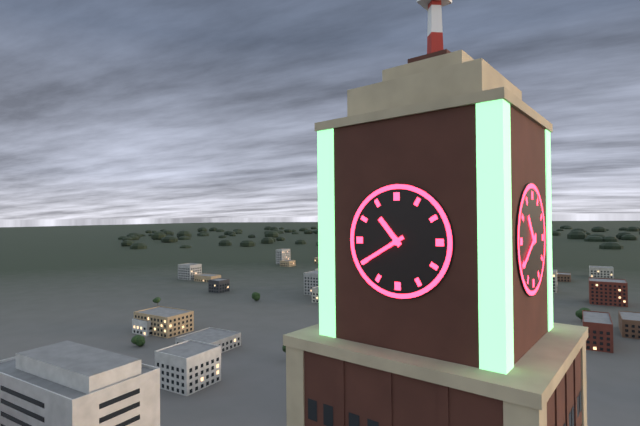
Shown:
10h40
